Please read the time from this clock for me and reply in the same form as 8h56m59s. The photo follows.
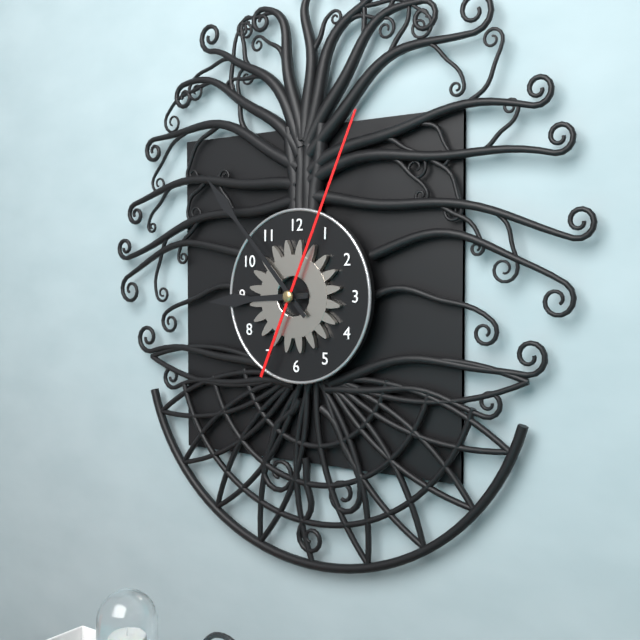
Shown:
8h53m04s
